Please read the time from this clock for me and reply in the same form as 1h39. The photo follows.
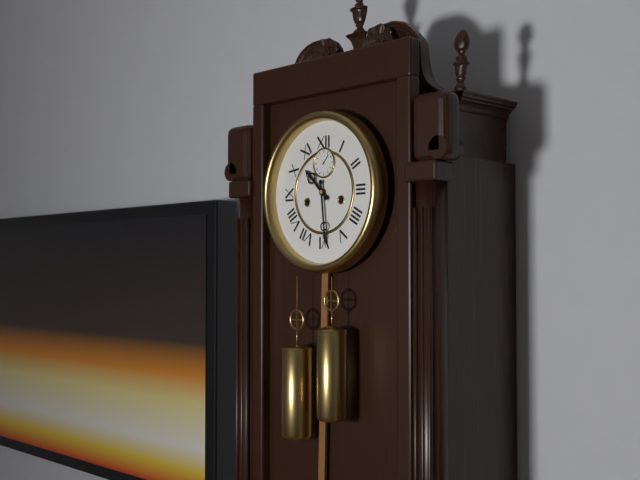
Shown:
10h29
